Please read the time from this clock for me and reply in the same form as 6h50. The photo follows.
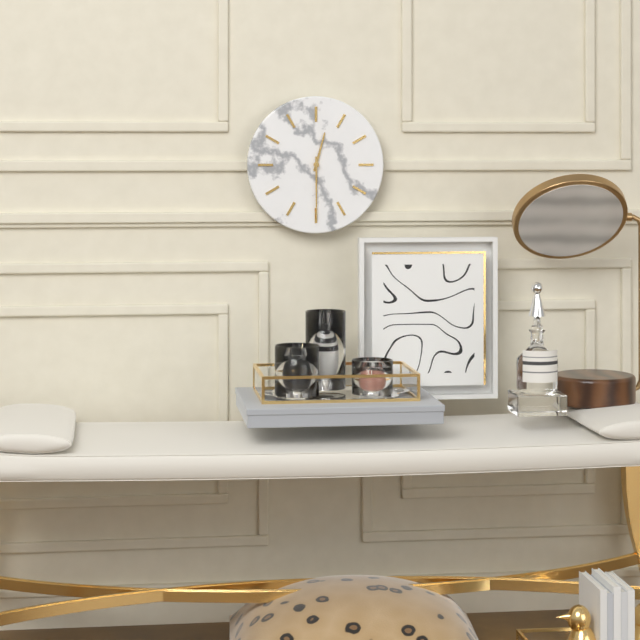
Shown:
12h30
